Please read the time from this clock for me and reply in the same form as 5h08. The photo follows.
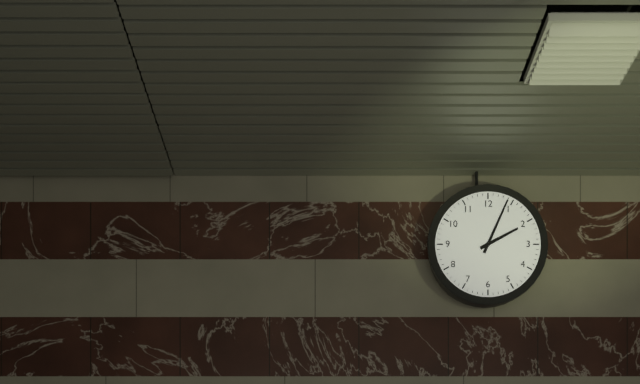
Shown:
2h04
